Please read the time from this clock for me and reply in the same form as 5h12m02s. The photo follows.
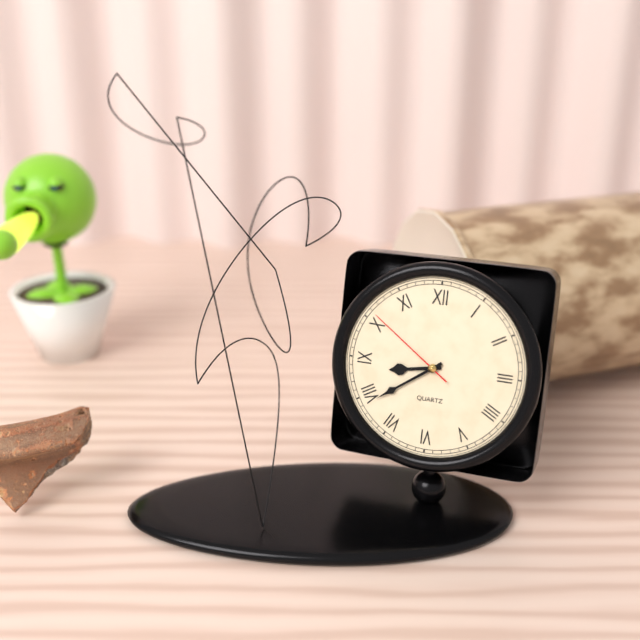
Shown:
8h39m51s
